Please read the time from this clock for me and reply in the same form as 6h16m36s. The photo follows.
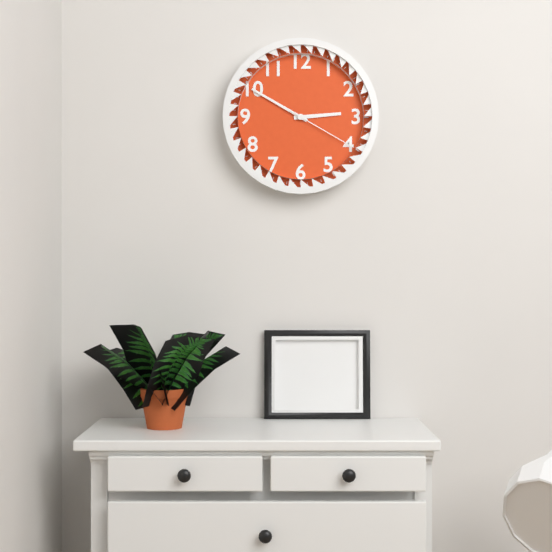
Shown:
2h50m20s
